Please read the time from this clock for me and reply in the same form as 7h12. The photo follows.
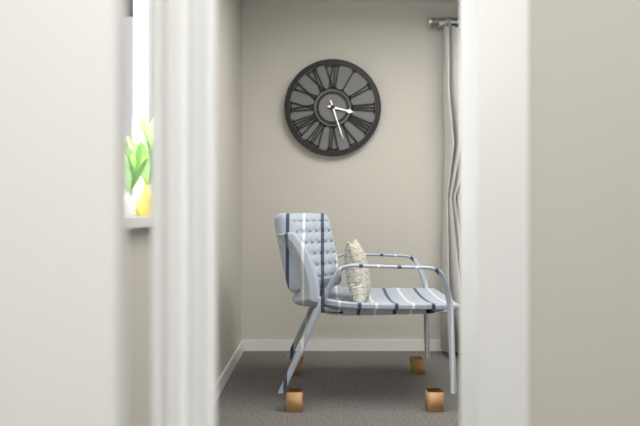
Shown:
3h27
